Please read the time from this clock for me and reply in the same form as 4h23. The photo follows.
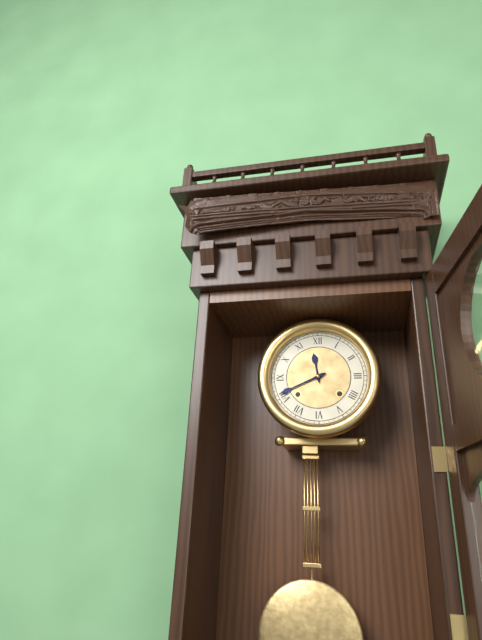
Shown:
11h41
